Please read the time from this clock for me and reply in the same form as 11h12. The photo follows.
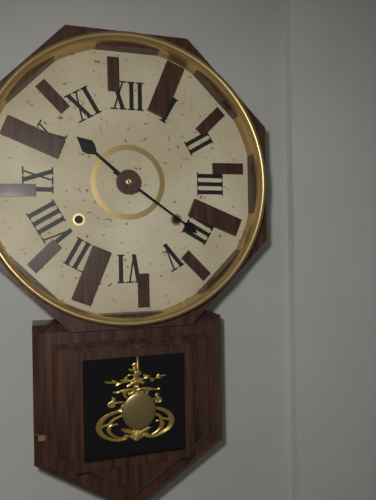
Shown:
10h21
